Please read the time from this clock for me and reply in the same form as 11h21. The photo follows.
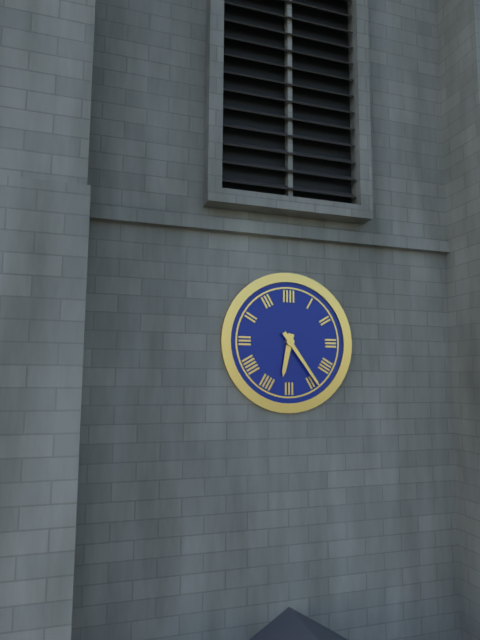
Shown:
6h24
